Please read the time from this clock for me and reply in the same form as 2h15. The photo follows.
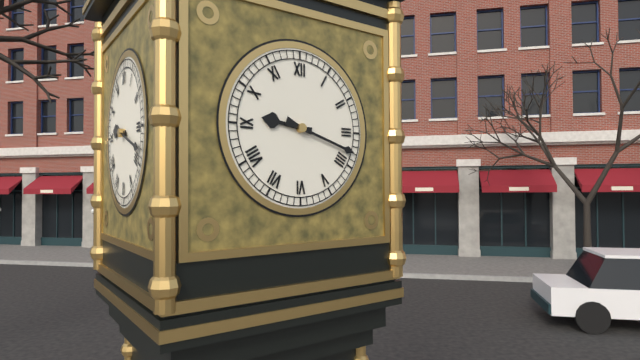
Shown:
9h18
